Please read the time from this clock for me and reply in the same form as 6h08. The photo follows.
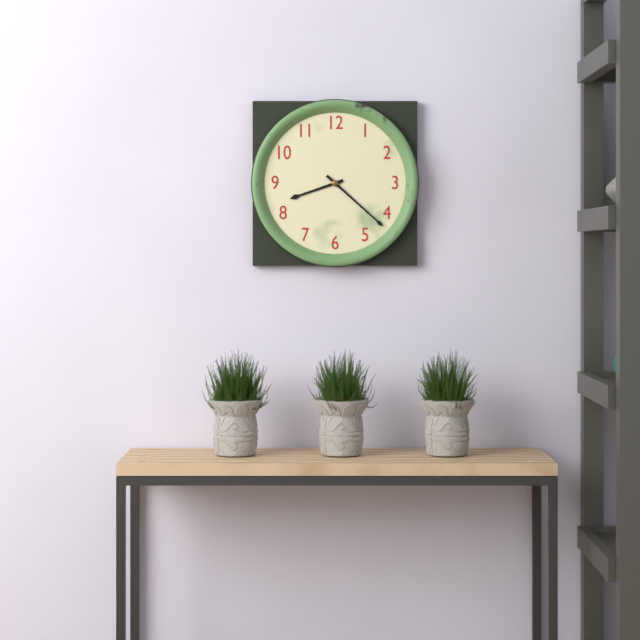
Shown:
8h22
